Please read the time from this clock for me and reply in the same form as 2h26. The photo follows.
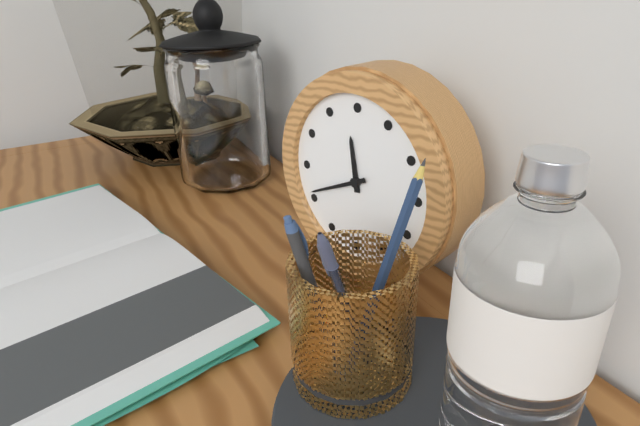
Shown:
11h41
